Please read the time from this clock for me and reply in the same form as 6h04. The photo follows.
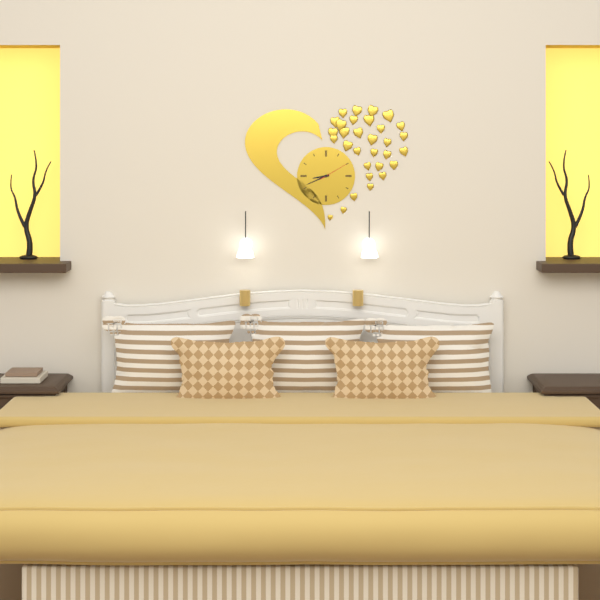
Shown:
8h41
